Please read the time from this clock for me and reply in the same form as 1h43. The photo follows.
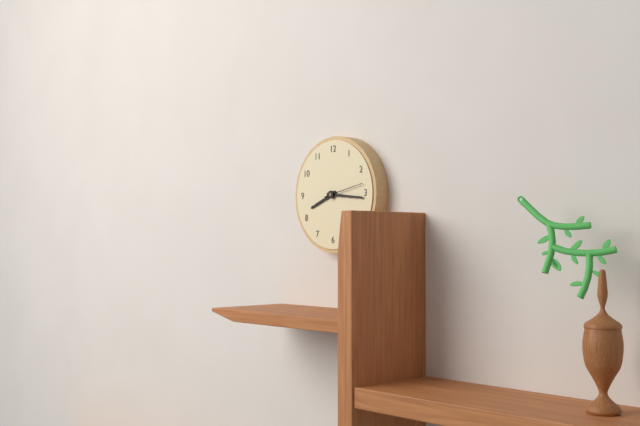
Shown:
8h16
